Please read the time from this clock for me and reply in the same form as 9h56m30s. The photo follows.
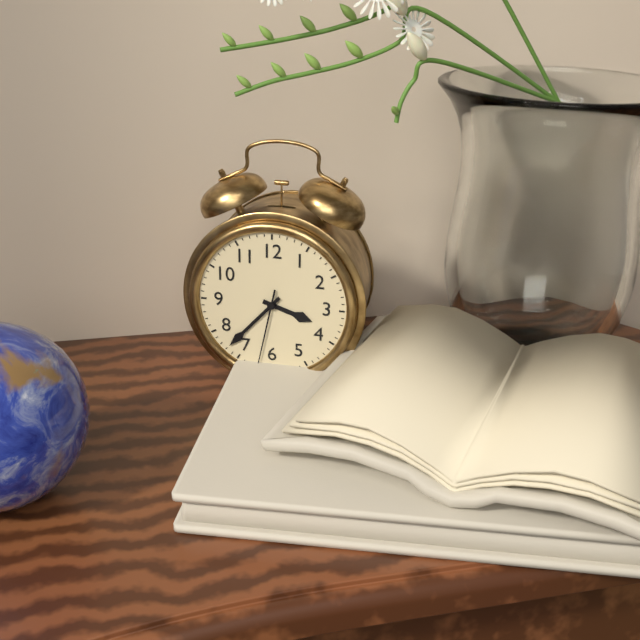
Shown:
3h37m32s
